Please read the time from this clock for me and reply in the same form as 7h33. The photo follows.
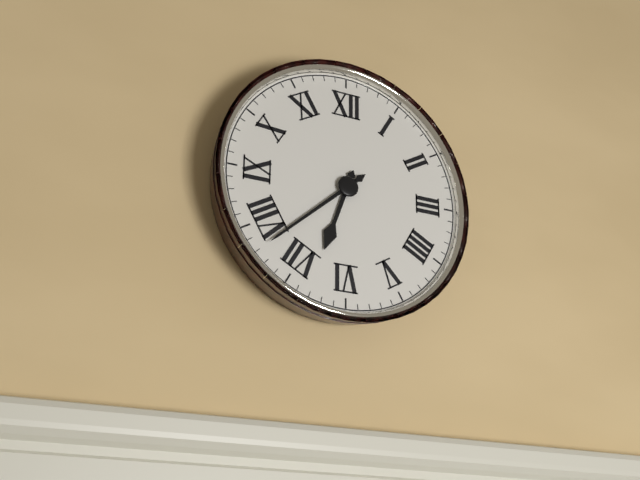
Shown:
6h38
